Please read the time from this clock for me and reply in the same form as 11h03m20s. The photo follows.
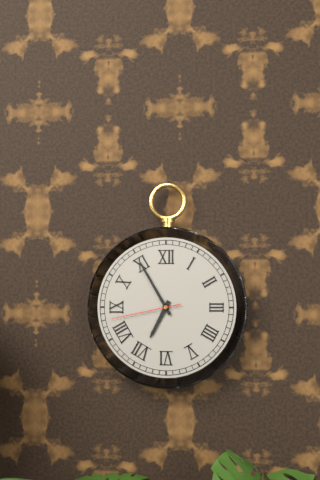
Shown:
6h55m43s
